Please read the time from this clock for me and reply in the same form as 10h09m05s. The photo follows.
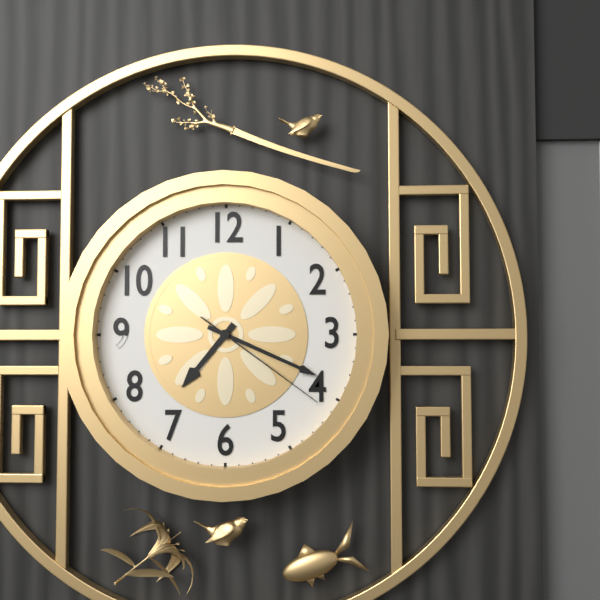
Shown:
7h19m21s
